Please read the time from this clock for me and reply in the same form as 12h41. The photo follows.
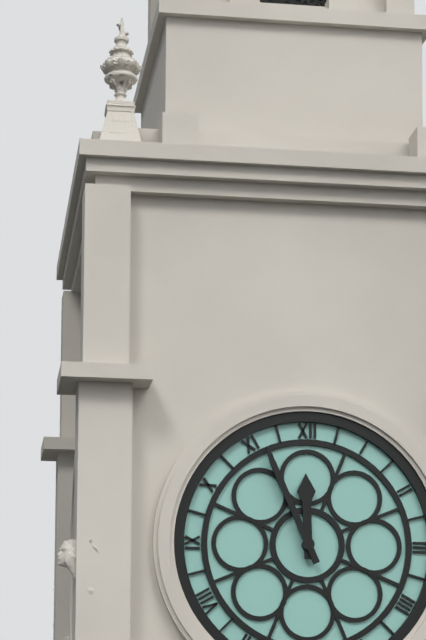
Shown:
11h56
